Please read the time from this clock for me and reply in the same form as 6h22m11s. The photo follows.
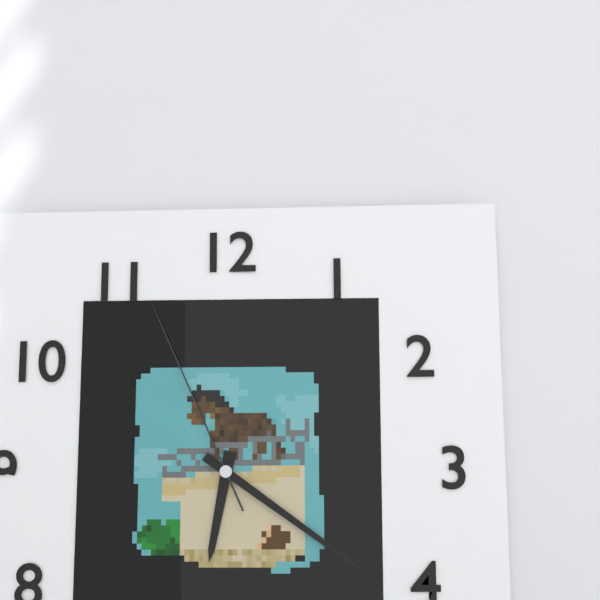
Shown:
6h21m56s
